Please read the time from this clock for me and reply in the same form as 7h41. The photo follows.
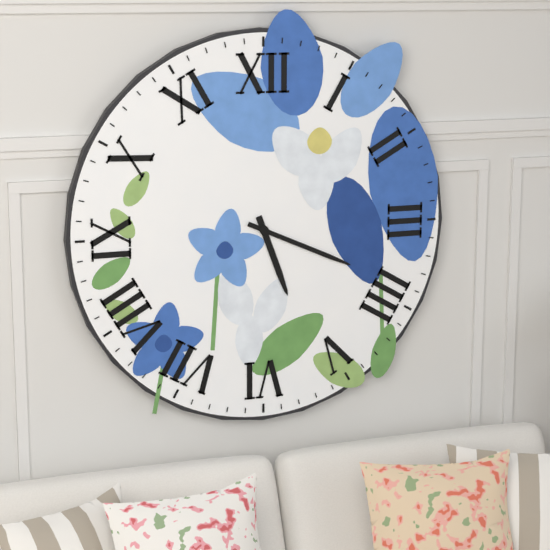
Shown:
5h19
